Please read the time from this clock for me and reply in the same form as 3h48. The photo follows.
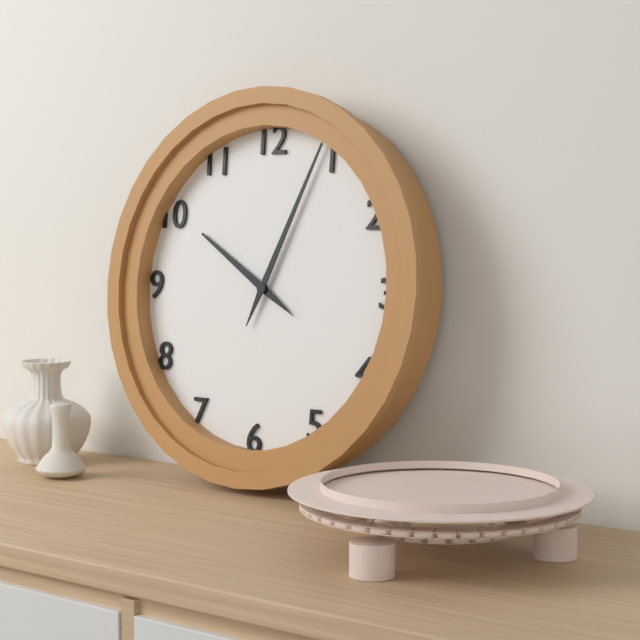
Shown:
10h04
